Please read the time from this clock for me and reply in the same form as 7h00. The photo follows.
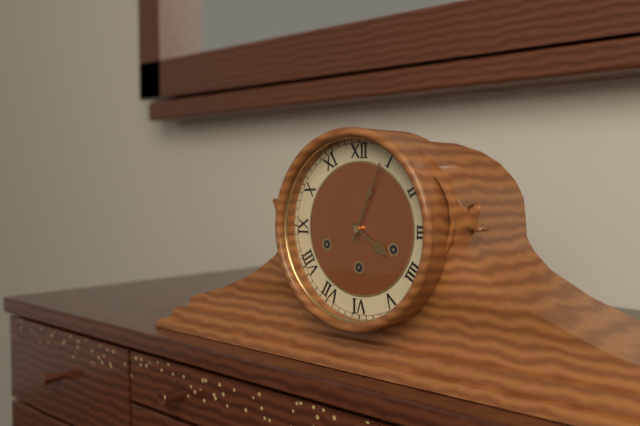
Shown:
4h04
